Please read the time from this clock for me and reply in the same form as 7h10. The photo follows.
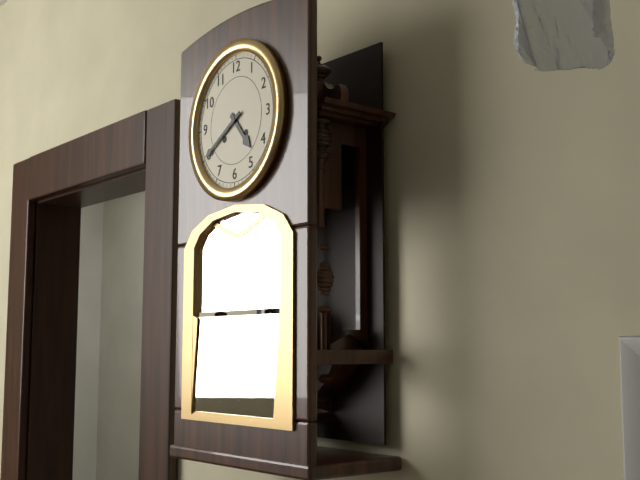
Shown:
4h40
